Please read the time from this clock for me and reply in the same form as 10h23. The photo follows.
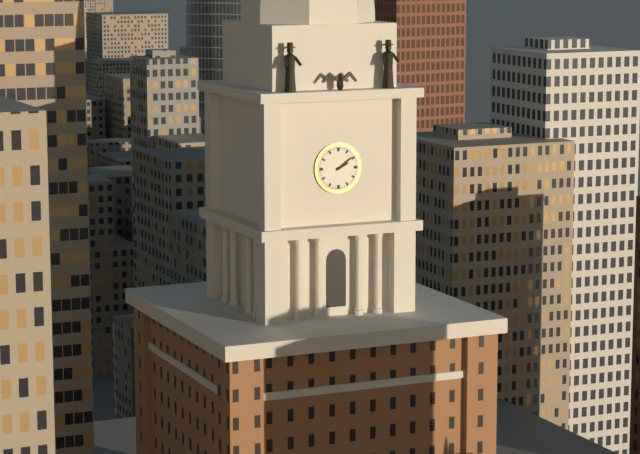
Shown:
2h09
